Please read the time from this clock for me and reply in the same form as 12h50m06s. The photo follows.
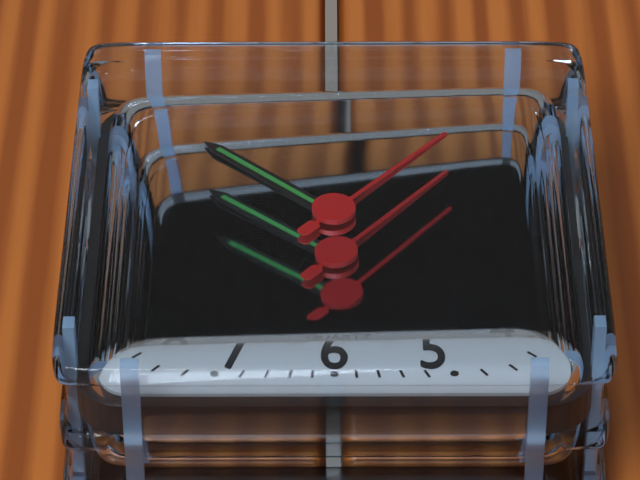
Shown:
1h52m07s
